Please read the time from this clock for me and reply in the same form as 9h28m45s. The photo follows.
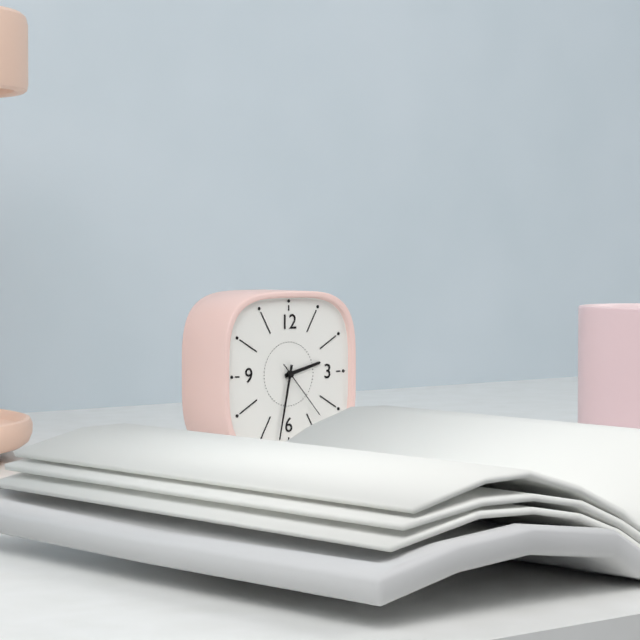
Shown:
2h32m23s
